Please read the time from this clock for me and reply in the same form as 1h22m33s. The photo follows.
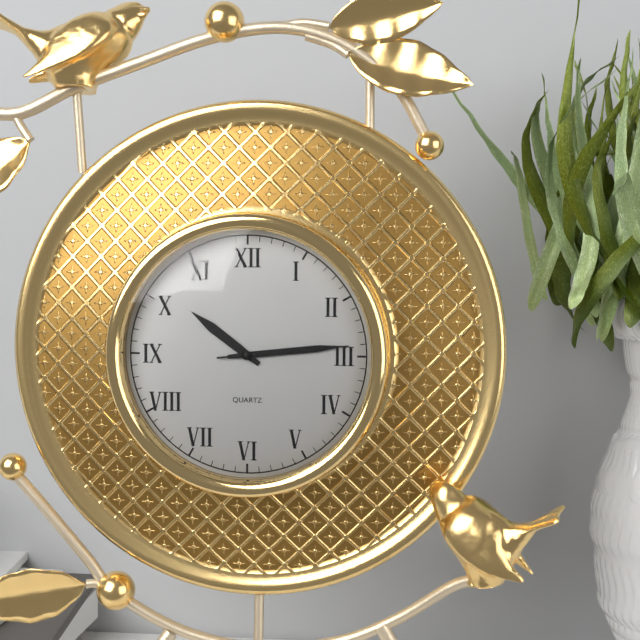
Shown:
10h14m14s
